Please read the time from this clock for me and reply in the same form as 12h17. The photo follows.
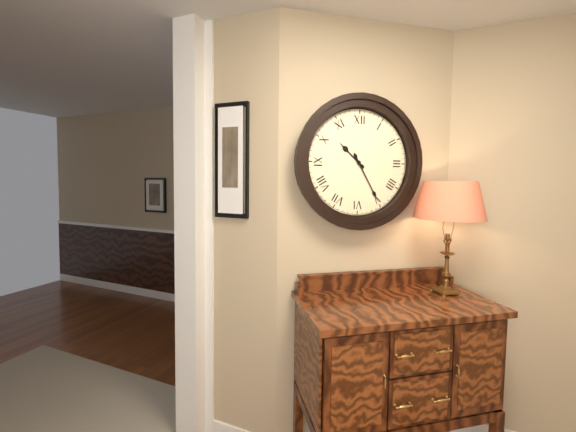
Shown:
10h25
